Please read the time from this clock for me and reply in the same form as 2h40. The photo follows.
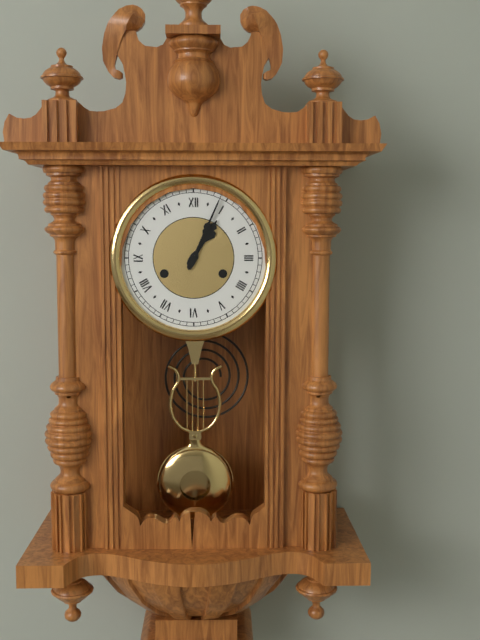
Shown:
1h04
